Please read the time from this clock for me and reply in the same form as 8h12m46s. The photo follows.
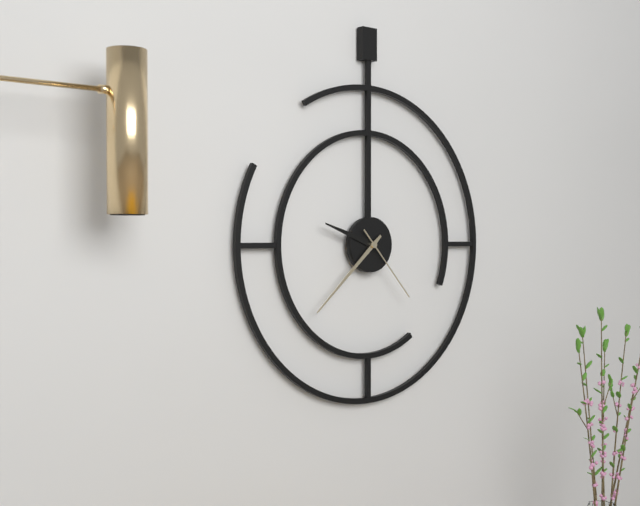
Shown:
9h38m23s
